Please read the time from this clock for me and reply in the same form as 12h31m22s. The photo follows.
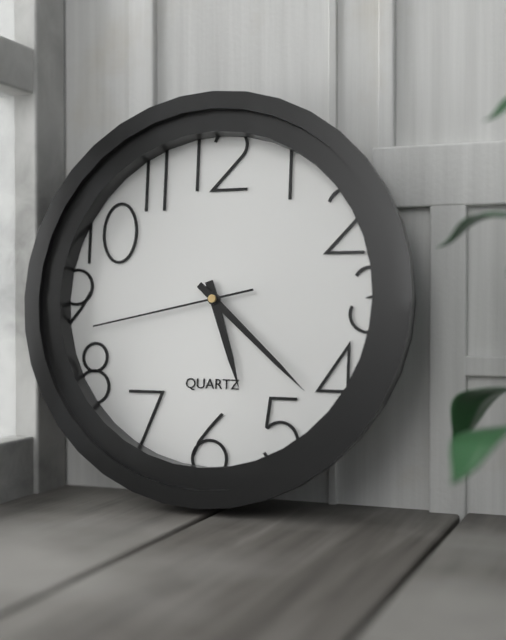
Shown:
5h22m43s
